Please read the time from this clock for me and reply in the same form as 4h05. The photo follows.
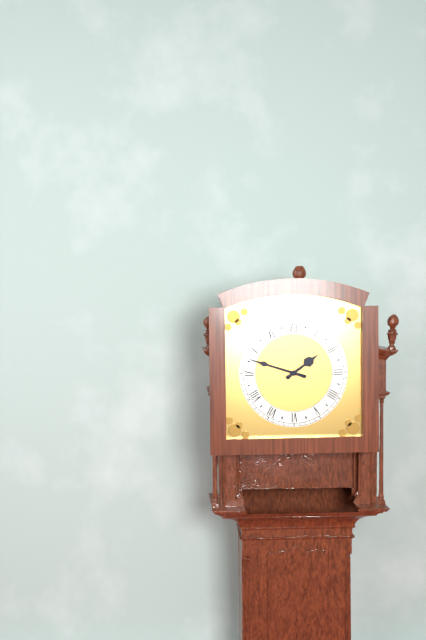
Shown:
1h48
